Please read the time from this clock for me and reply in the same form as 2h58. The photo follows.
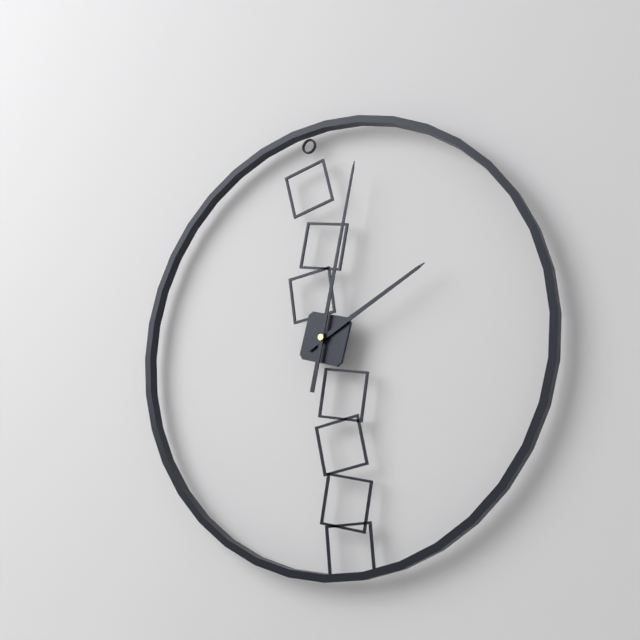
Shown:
2h02
